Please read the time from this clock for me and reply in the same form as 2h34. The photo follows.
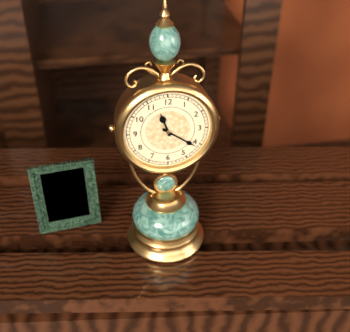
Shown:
11h21
